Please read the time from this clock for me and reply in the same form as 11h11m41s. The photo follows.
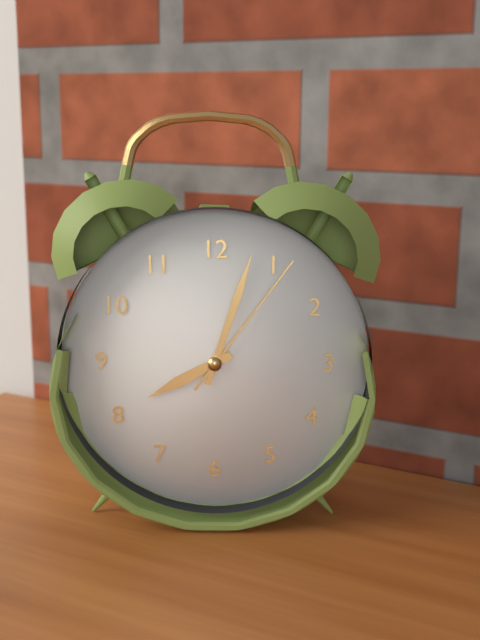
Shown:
8h03m06s
